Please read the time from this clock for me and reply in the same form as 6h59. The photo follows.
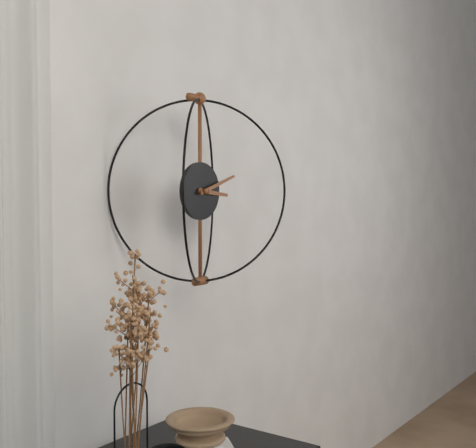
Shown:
3h12
